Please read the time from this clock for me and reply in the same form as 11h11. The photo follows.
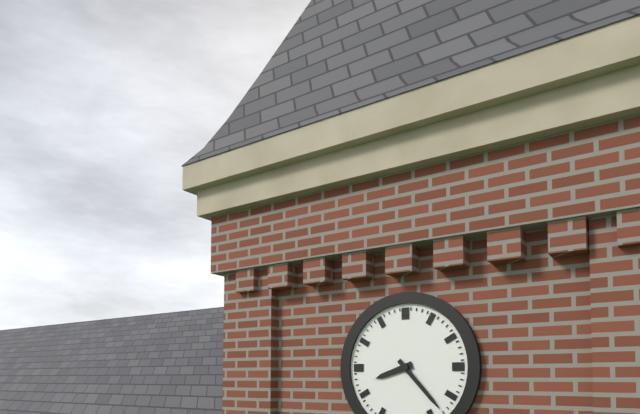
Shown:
8h23
